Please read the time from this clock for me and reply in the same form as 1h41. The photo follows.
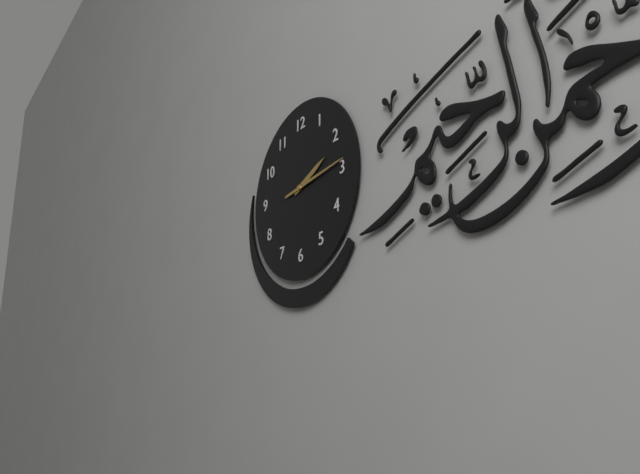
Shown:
2h14
